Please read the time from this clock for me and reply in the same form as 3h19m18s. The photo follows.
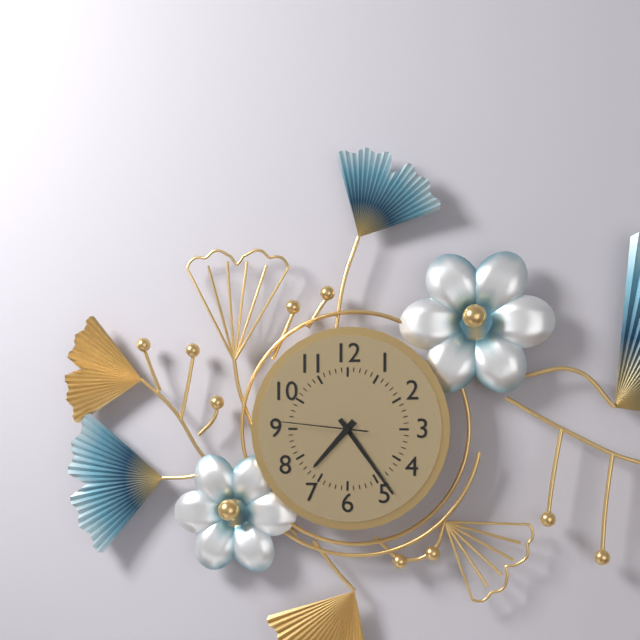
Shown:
7h24m46s
